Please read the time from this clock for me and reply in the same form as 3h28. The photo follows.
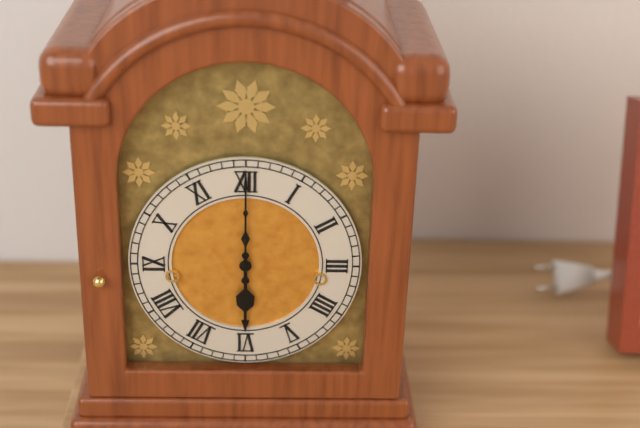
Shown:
6h00
